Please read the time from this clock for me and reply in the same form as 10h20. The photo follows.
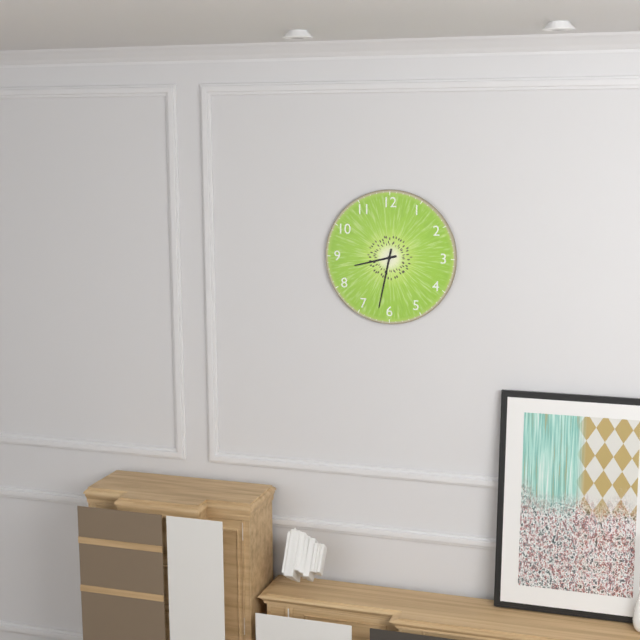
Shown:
8h32
